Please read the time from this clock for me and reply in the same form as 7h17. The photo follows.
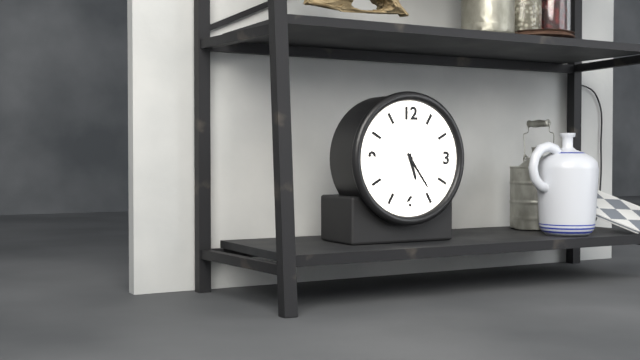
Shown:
5h24
